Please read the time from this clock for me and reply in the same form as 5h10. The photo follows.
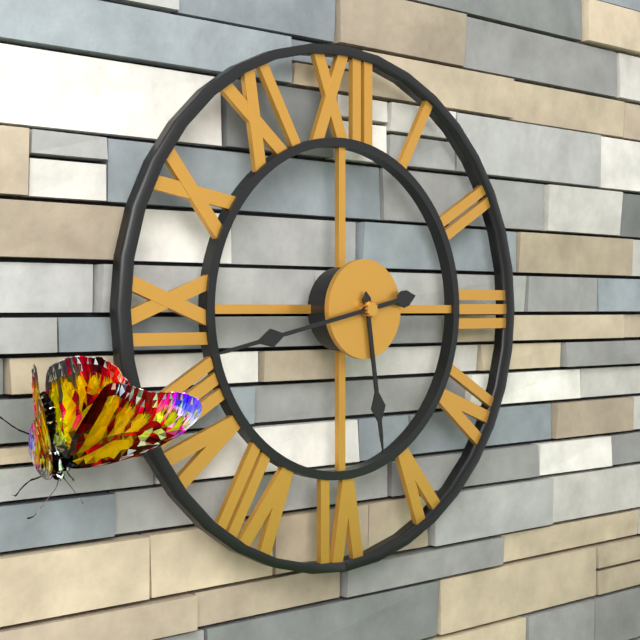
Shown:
5h43
